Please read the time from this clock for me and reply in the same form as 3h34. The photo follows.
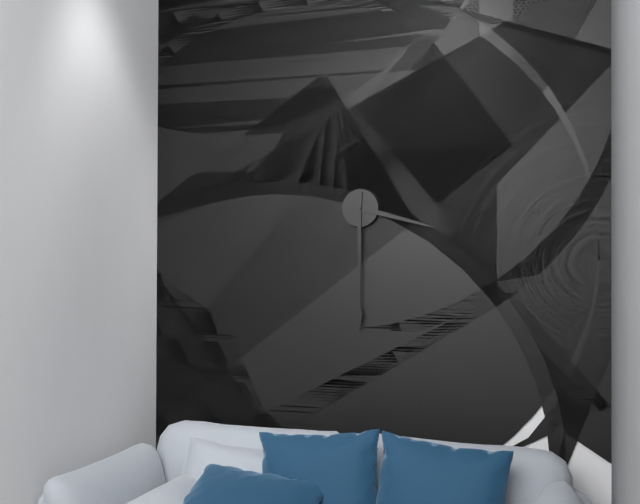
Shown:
3h30
